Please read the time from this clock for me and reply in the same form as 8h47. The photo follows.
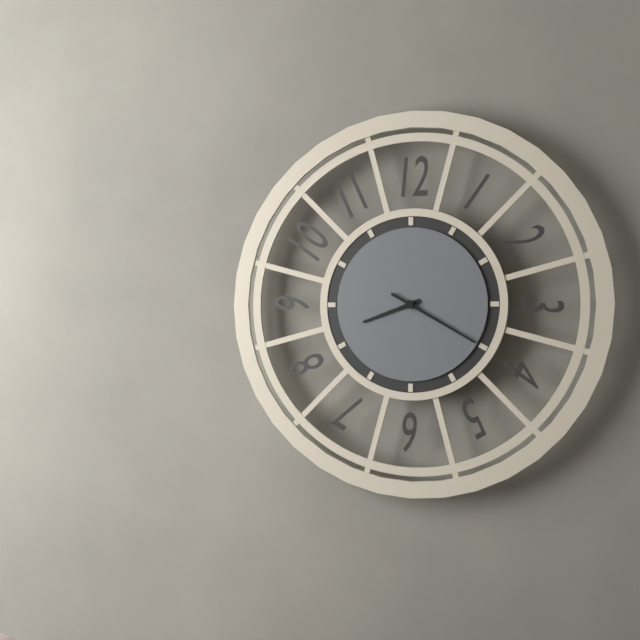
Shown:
8h20
